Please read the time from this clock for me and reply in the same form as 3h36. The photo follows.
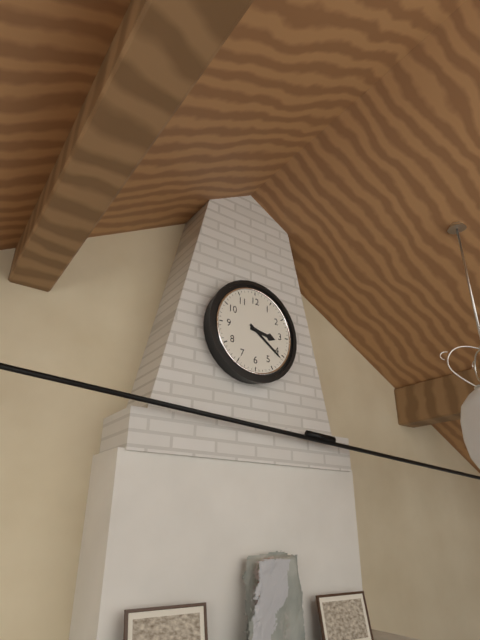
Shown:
3h21
